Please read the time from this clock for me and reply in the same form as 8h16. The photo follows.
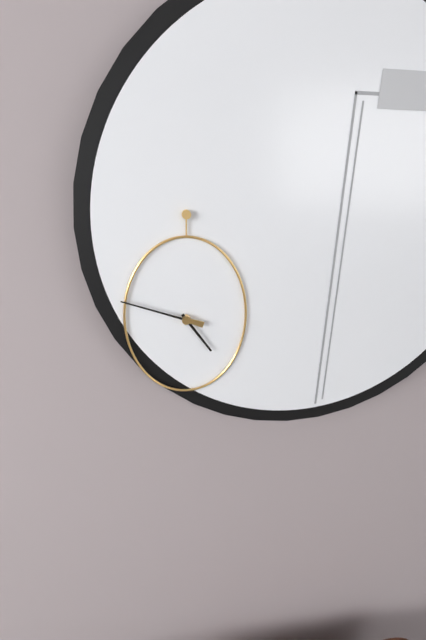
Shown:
4h48
